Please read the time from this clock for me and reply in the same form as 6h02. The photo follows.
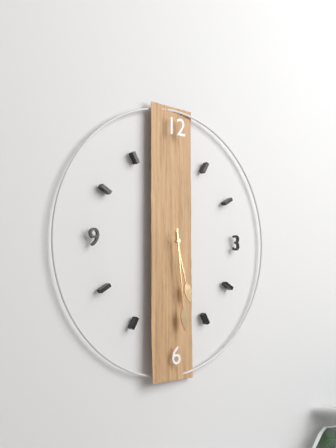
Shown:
5h29
